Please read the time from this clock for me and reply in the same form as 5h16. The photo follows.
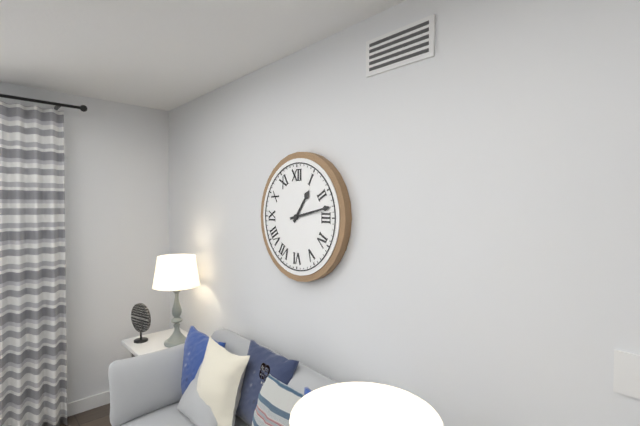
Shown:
1h13
